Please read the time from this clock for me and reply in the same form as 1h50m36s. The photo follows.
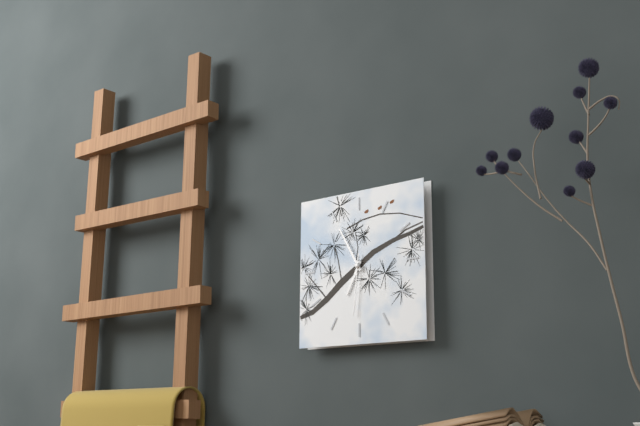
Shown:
6h55m31s
